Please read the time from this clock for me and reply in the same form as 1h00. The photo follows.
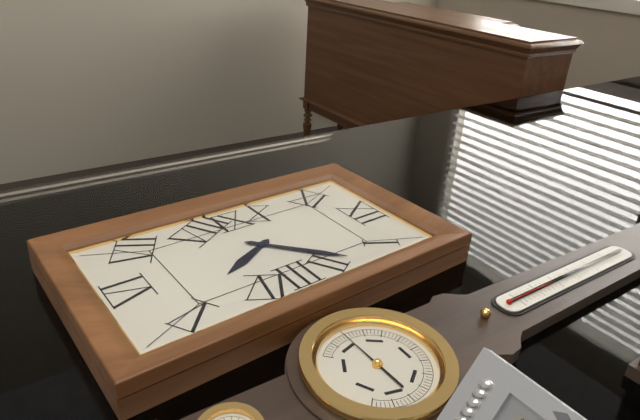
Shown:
5h08
